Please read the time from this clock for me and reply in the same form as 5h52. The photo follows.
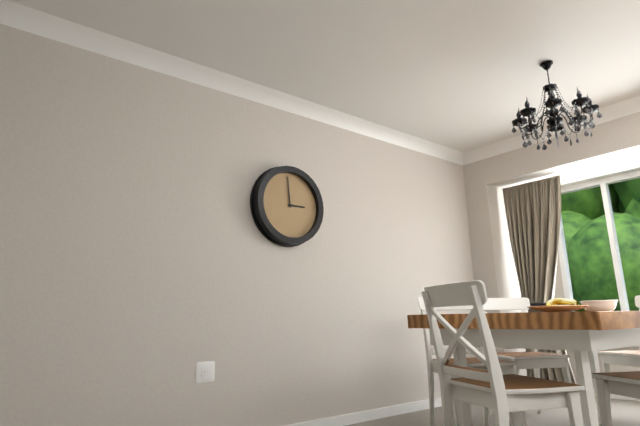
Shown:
2h59
